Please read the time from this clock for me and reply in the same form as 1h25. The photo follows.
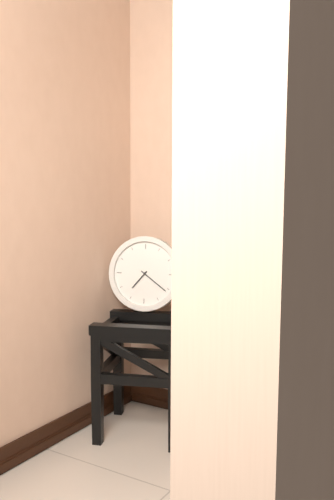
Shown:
7h21
